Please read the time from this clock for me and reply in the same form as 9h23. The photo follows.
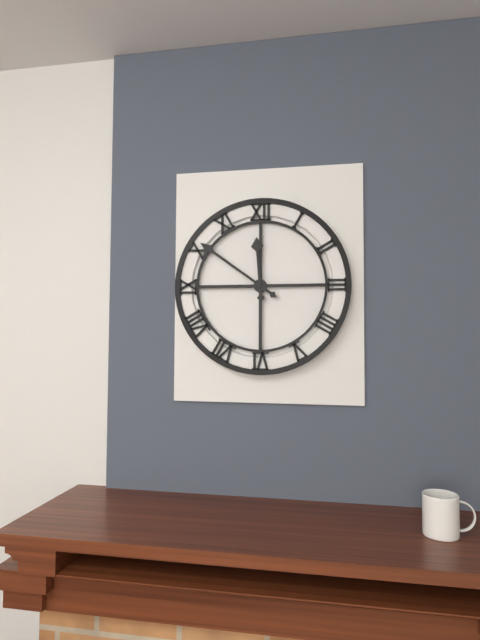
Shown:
11h51
